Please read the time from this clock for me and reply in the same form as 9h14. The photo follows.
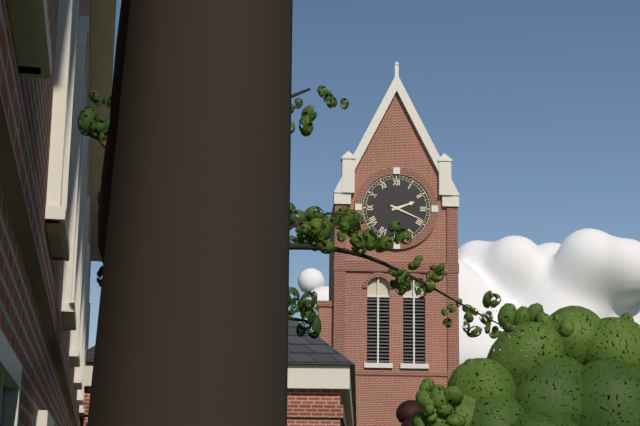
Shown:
2h19
